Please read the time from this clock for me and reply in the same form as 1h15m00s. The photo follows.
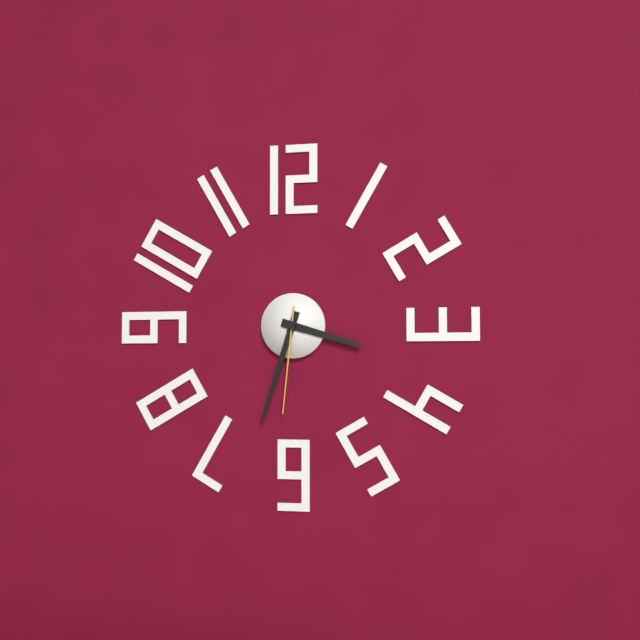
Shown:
3h33m31s
